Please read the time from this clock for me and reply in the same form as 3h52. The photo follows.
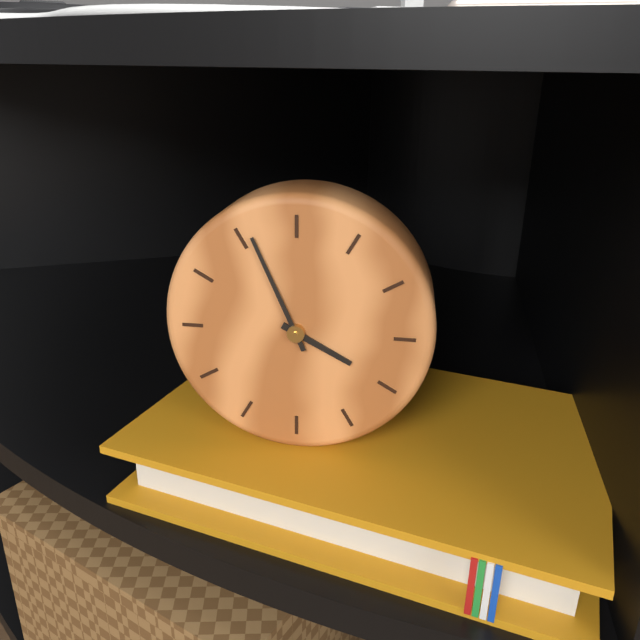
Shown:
3h56
